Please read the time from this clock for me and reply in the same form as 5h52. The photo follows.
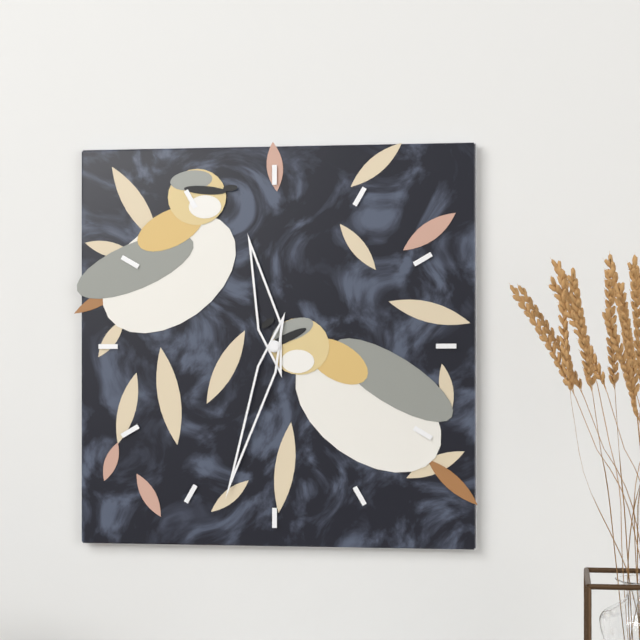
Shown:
11h33
